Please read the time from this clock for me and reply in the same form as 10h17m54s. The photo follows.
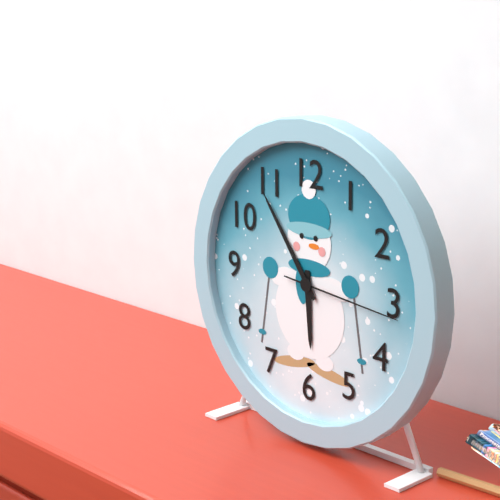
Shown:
5h54m16s
